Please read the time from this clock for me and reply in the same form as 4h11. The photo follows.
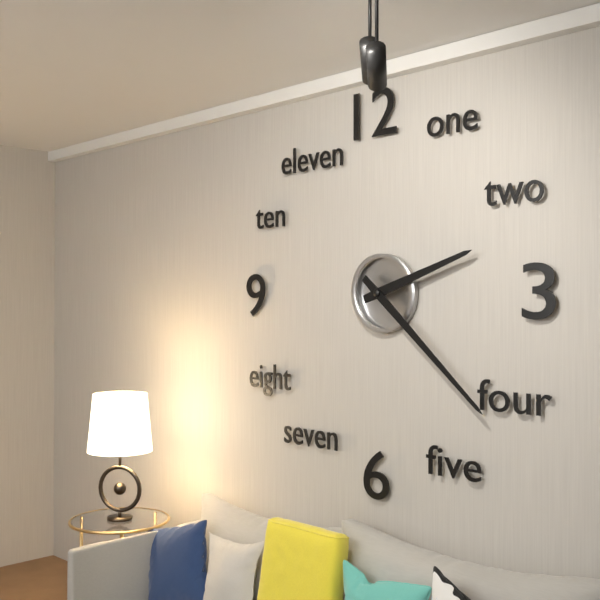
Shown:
2h22
